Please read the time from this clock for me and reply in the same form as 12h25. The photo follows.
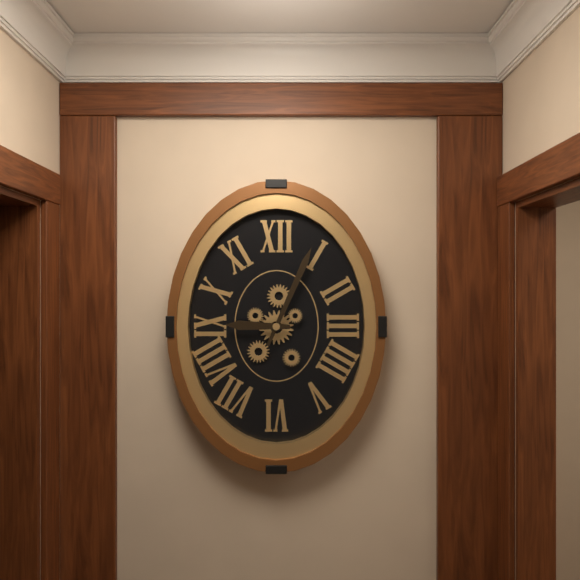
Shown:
9h04
